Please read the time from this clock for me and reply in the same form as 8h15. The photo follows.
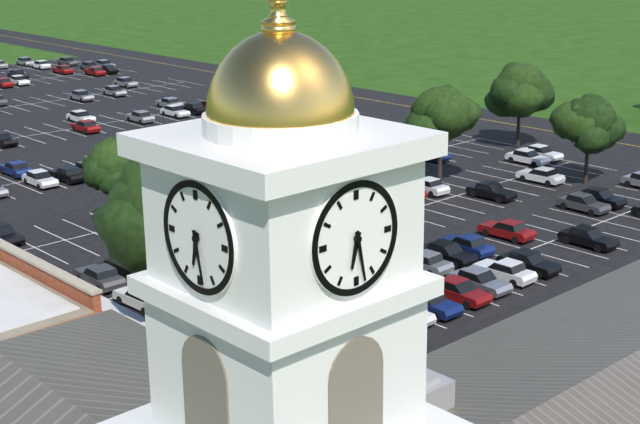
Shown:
6h28
